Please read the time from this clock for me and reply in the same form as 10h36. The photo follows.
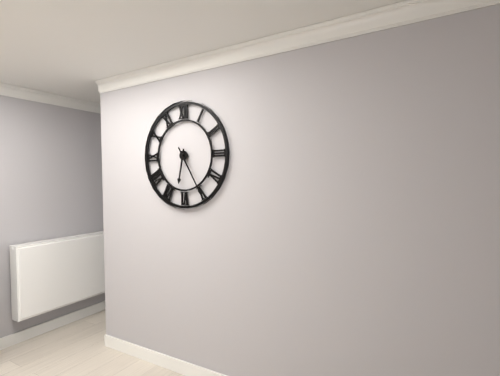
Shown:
6h25
